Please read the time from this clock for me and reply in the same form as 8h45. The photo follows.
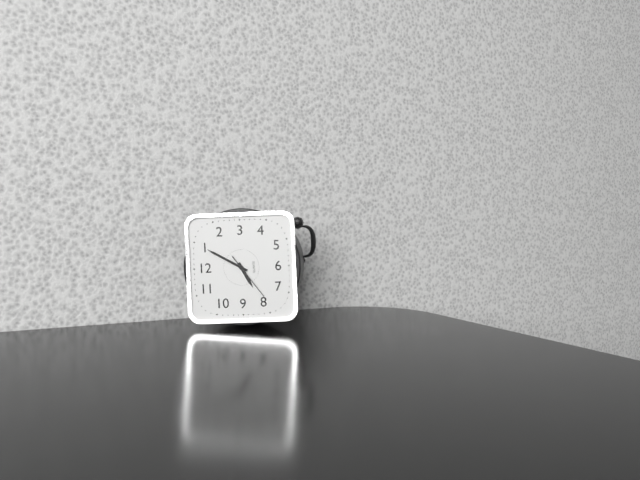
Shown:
8h05
